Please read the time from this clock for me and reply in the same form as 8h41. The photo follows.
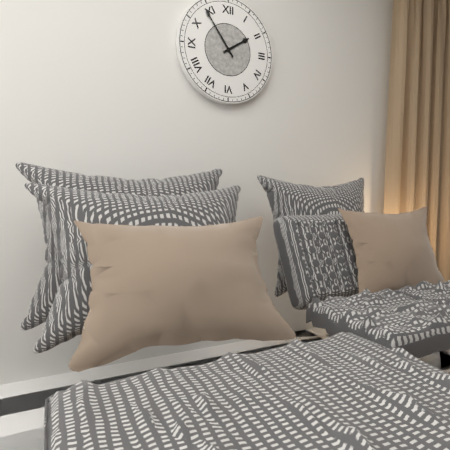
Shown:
1h54
